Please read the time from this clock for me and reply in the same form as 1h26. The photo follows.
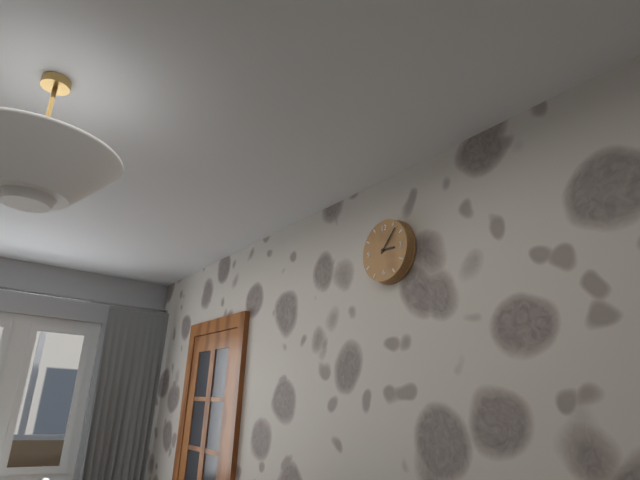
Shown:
3h07
